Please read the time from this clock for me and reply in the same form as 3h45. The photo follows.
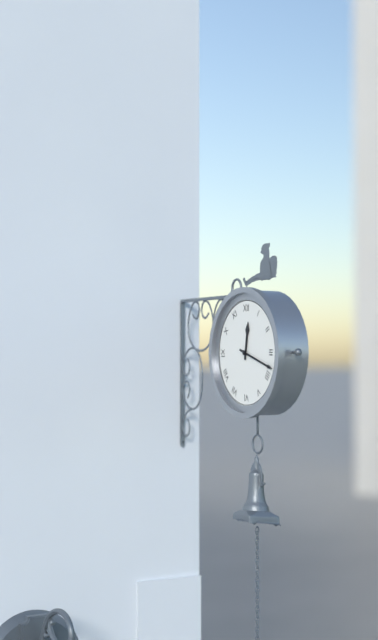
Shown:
12h18
